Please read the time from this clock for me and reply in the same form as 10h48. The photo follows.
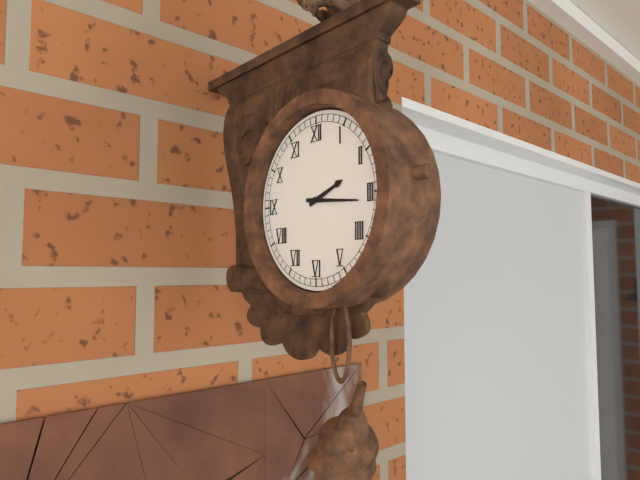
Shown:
2h16
